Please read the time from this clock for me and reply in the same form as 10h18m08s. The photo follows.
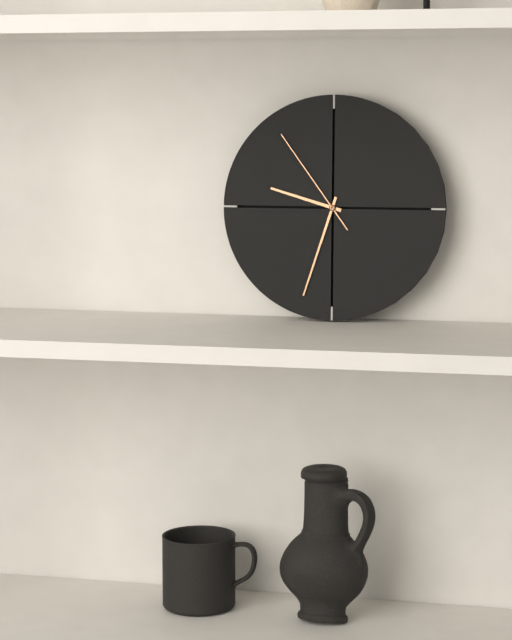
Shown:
9h33m54s
